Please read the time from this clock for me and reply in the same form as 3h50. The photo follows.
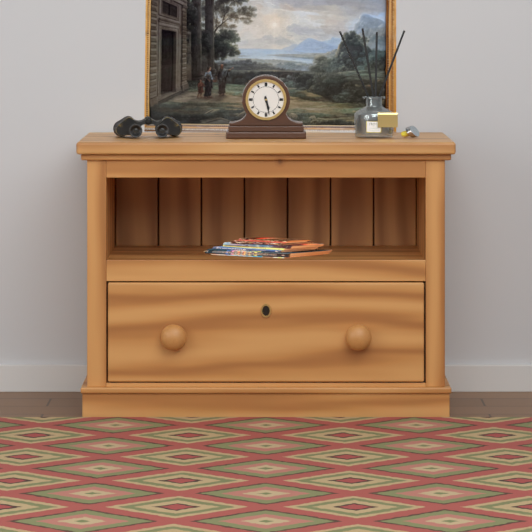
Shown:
5h28
